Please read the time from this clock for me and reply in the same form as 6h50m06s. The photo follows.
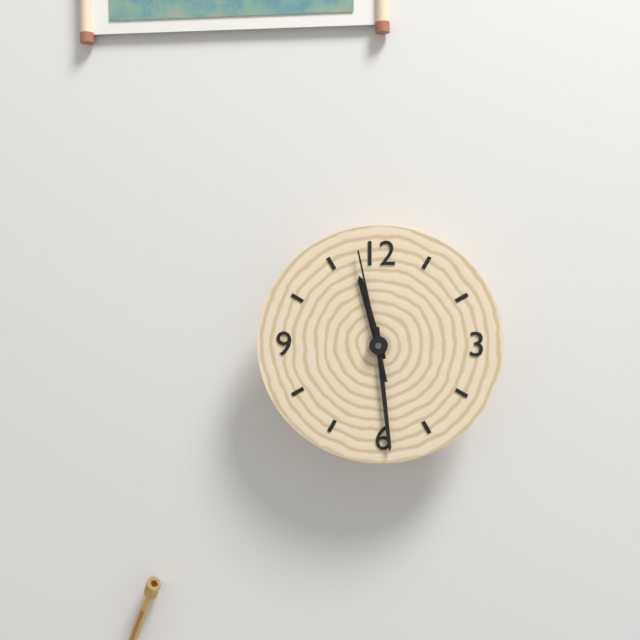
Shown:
11h29m58s
